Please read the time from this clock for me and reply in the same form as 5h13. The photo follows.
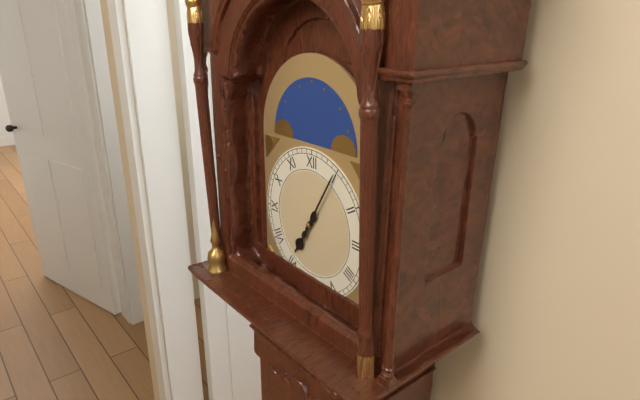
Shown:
7h05
